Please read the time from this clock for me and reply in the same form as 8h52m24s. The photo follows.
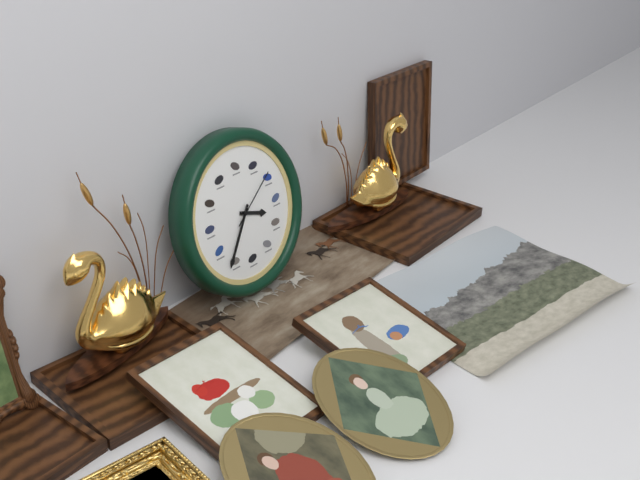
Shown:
3h36m09s
